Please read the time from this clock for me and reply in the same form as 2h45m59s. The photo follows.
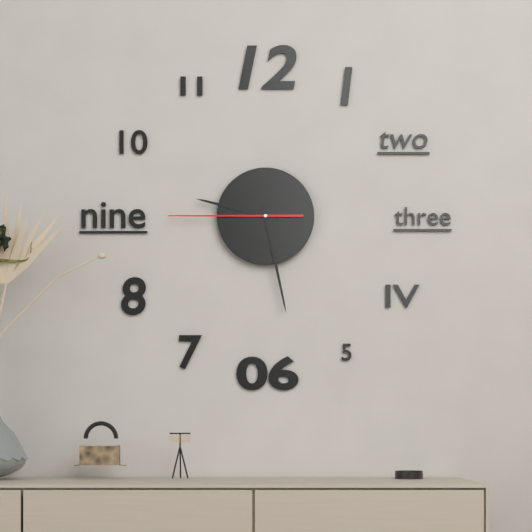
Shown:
9h28m45s
